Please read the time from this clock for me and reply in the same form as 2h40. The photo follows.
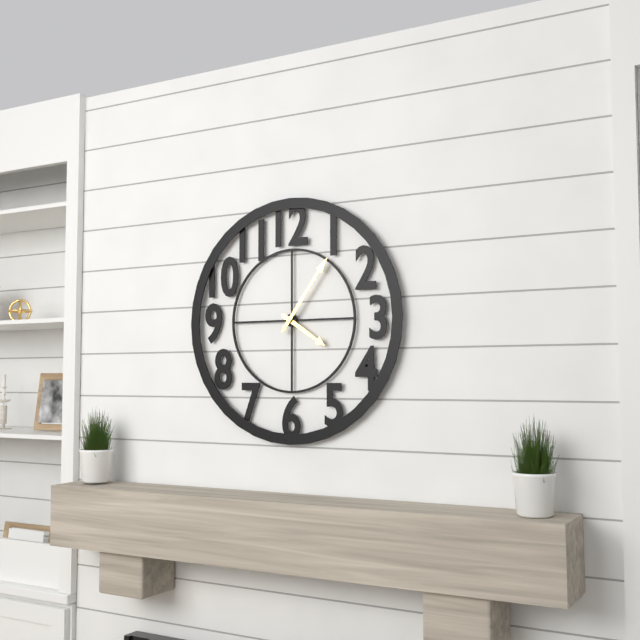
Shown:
4h06
